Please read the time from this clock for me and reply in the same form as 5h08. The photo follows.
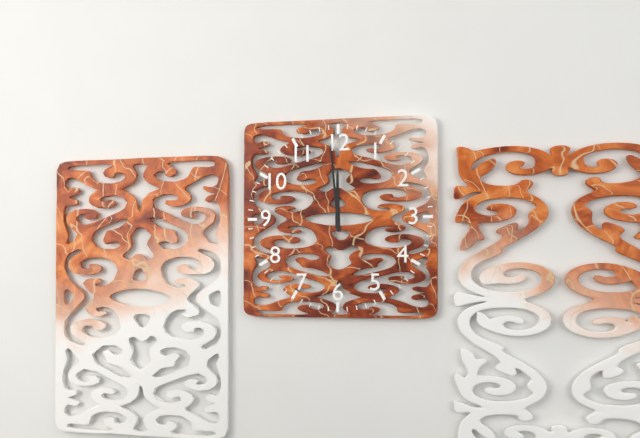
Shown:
11h59
